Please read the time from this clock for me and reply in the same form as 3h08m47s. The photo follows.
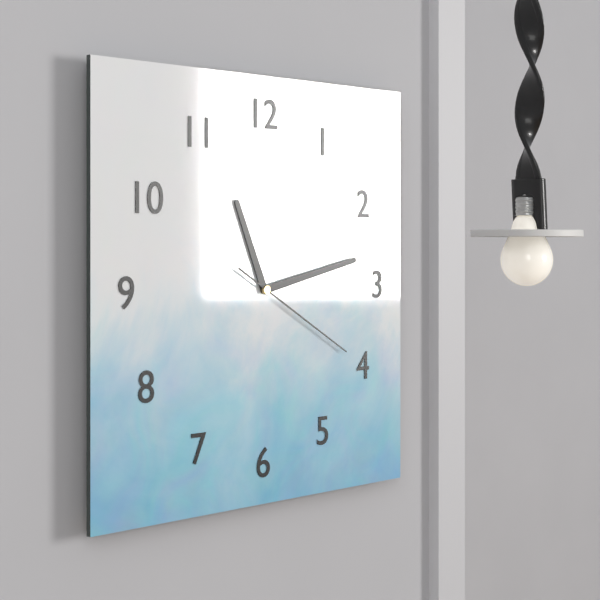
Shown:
11h13m20s
